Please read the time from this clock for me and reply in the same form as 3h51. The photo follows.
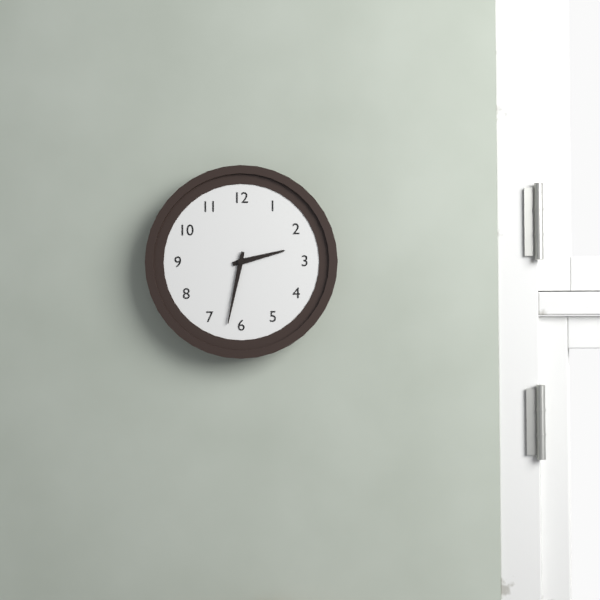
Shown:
2h32
